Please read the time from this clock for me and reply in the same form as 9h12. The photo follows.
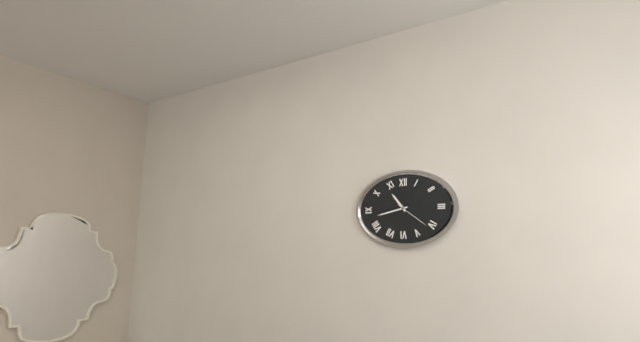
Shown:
10h43
